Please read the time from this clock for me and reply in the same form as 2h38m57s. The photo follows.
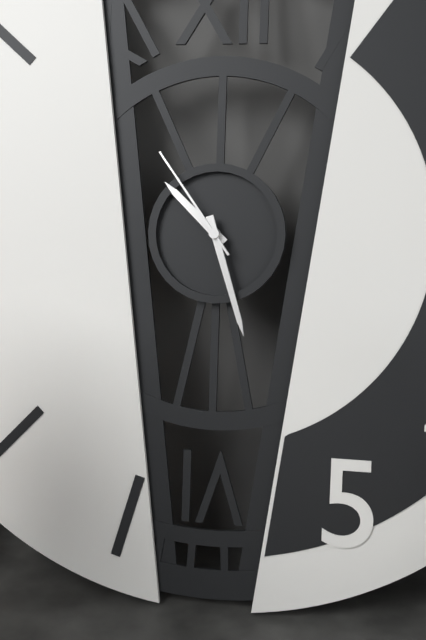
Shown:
10h27m54s
